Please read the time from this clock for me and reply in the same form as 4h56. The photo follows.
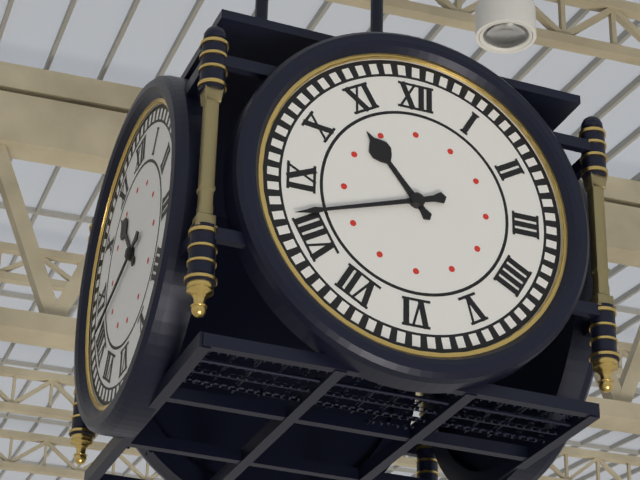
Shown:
10h42
